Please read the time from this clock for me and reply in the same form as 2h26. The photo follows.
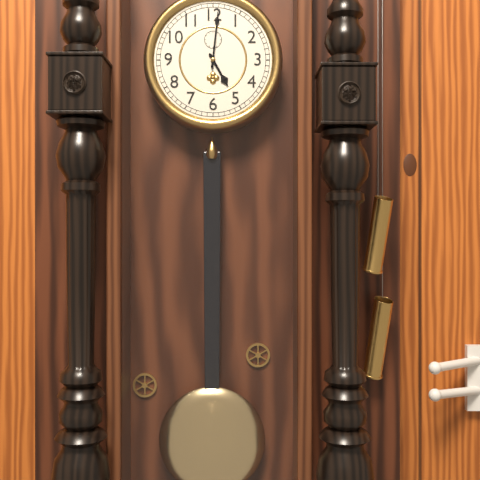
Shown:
5h01
